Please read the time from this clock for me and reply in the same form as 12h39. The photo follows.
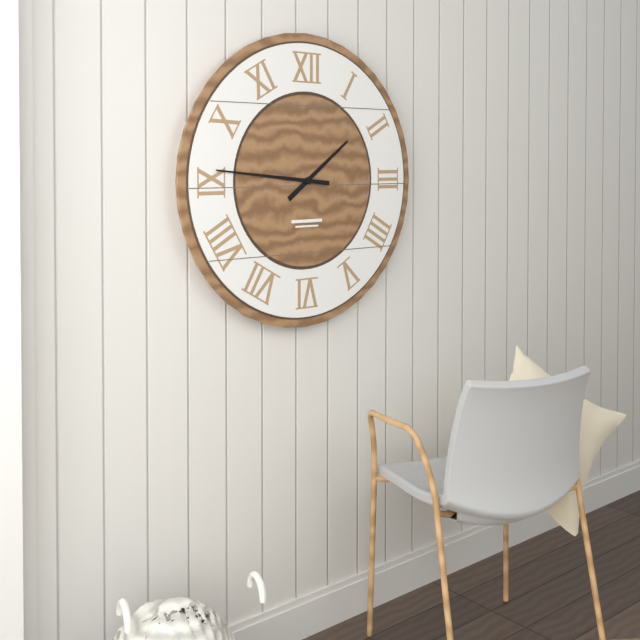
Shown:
1h46
